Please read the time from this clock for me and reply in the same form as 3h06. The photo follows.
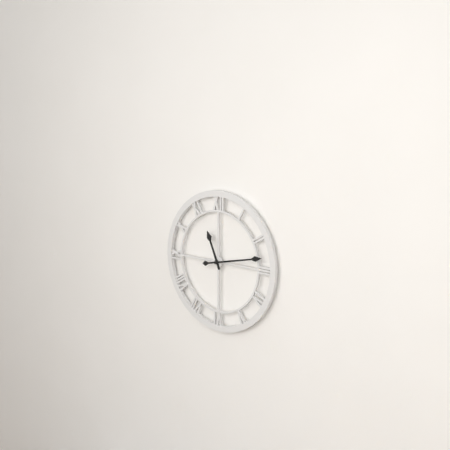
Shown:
11h13
